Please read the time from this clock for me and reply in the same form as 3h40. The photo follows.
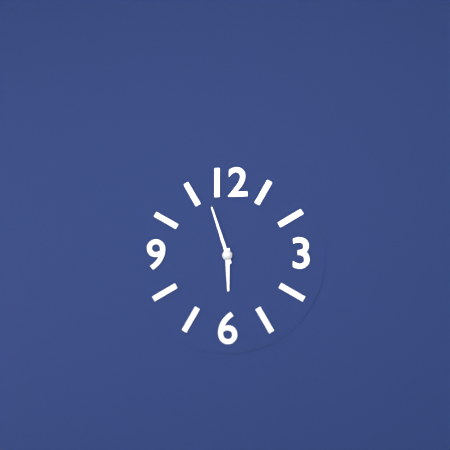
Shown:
5h57
